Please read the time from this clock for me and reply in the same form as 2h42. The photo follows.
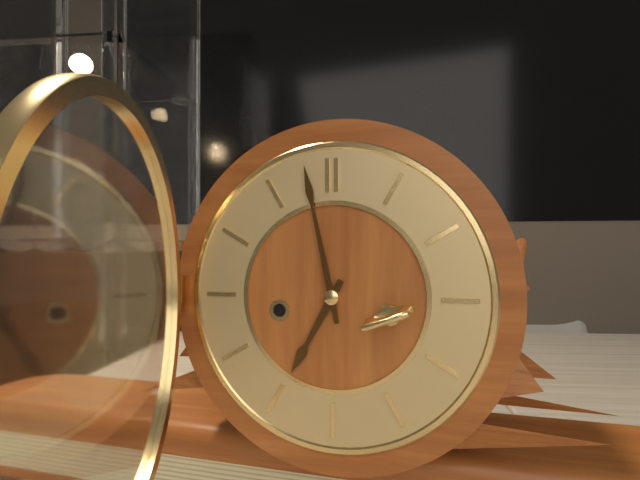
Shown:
6h58
